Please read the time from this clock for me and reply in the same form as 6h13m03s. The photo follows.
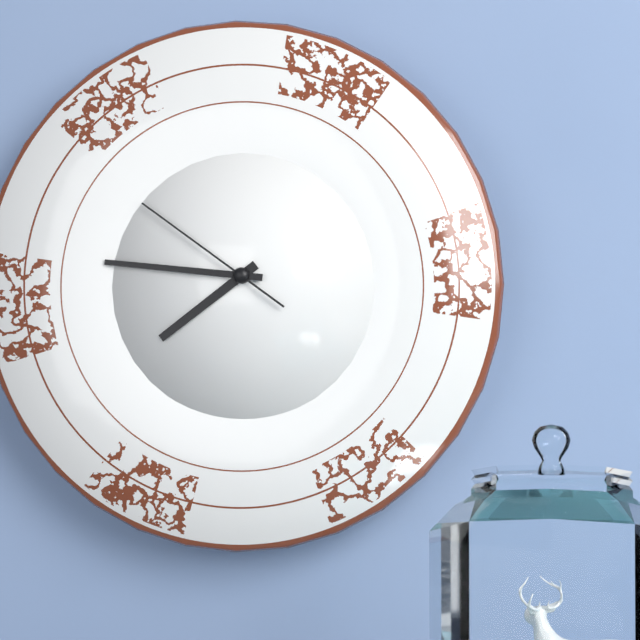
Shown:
7h46m51s
